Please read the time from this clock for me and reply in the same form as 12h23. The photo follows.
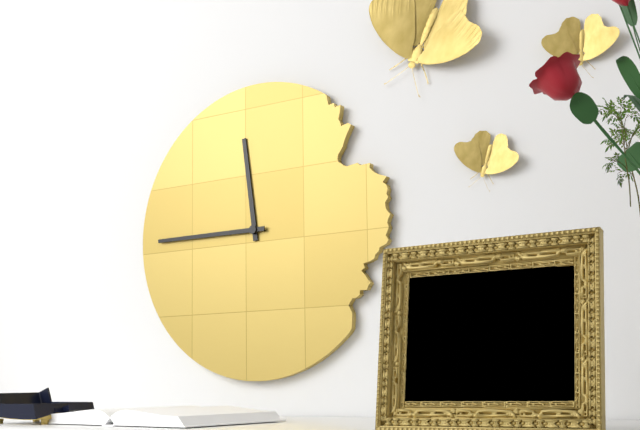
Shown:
11h45
